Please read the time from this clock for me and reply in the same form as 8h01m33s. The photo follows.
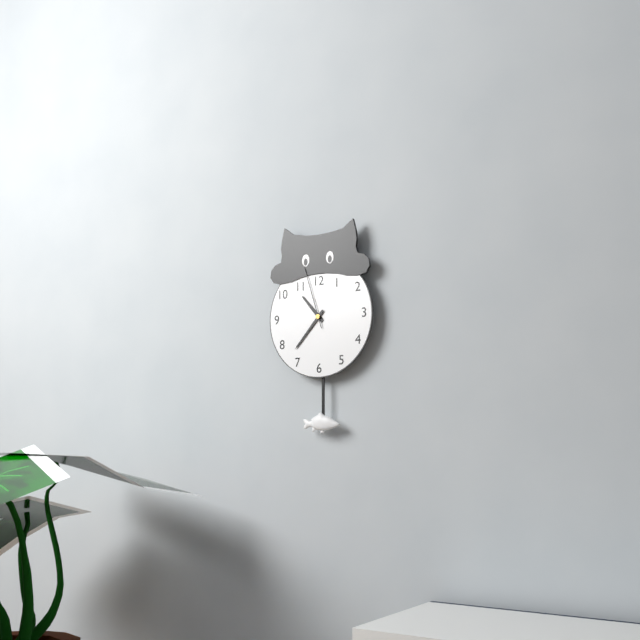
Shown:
10h37m57s
